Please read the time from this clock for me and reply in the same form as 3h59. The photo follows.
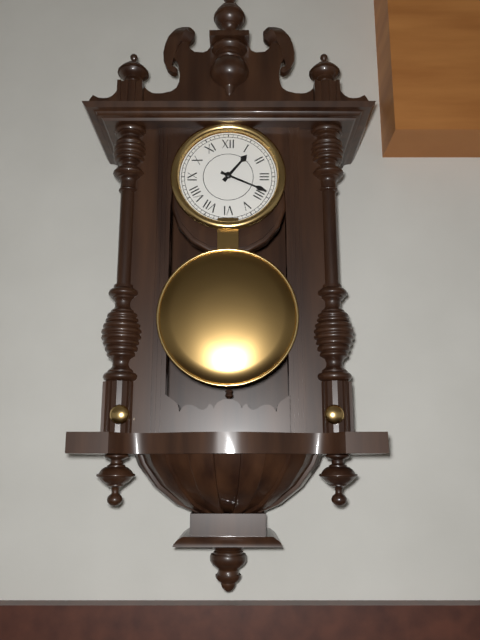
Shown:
1h19
